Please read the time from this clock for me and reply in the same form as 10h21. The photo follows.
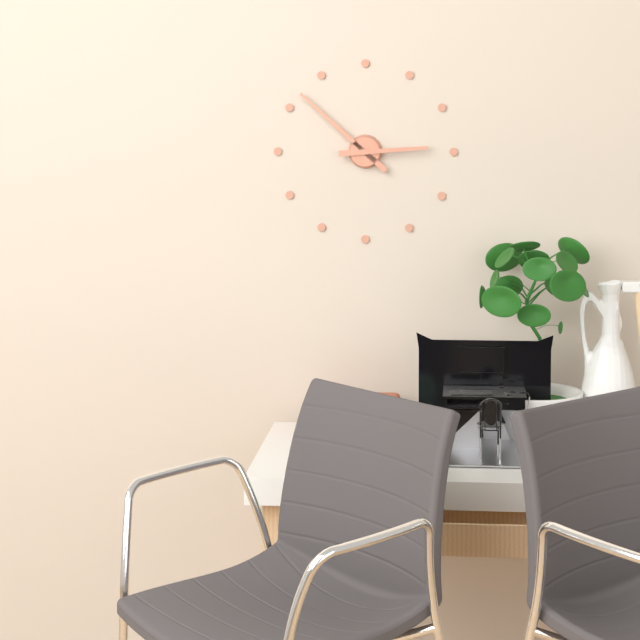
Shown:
2h52
